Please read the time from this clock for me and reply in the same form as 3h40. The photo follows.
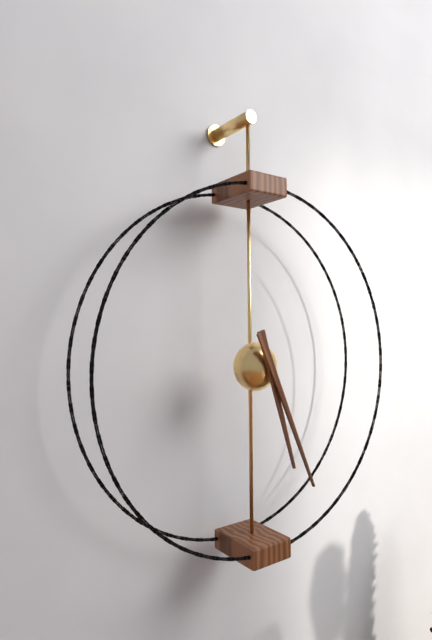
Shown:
5h26
